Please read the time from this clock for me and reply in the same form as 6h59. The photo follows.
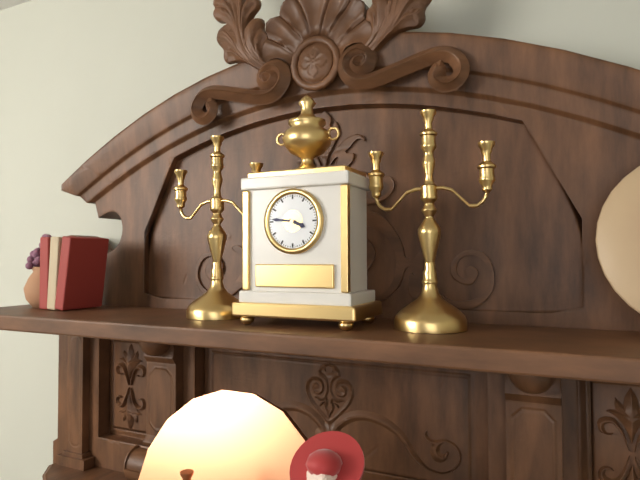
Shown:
3h46
